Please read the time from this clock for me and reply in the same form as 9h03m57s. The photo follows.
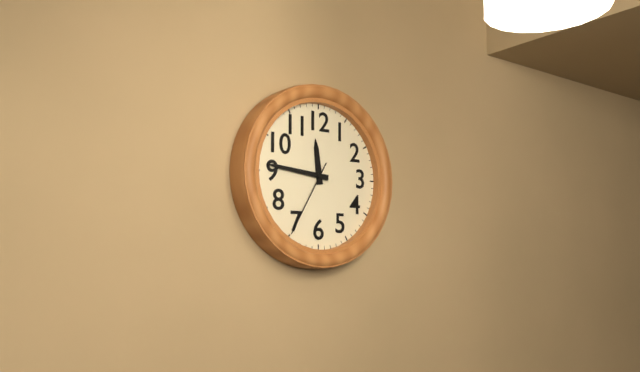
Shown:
11h46m35s
